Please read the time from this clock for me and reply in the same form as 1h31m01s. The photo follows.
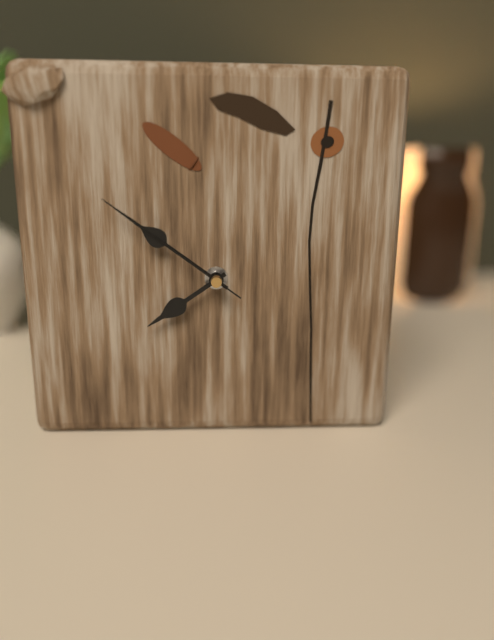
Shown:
7h51m51s
